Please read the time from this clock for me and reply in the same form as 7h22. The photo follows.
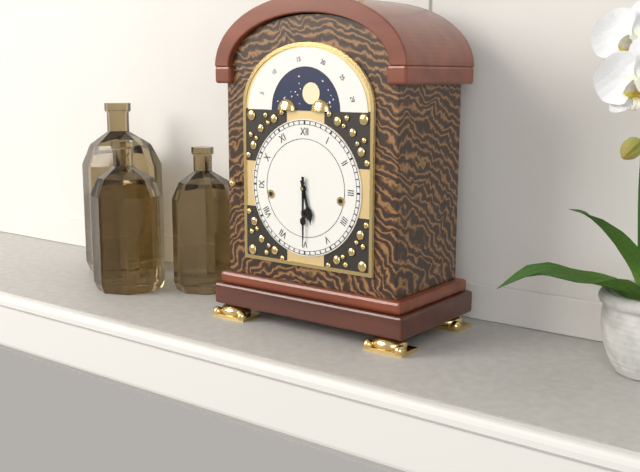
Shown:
5h30
